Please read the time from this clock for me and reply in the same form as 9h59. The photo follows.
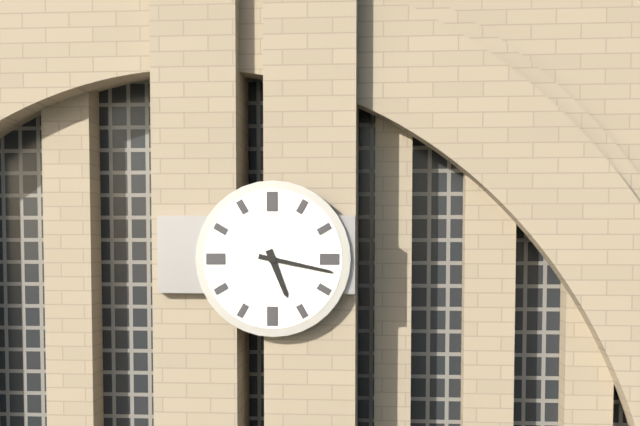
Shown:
5h17
